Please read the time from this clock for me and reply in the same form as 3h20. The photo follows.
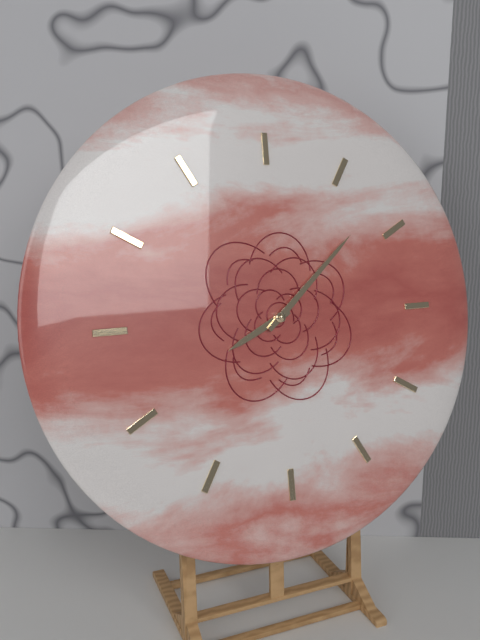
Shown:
8h08
